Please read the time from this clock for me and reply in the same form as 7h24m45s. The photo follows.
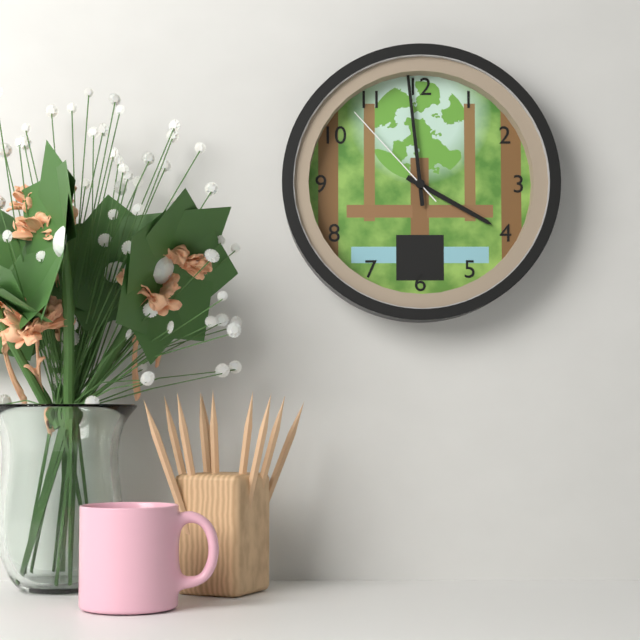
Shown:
3h59m53s
